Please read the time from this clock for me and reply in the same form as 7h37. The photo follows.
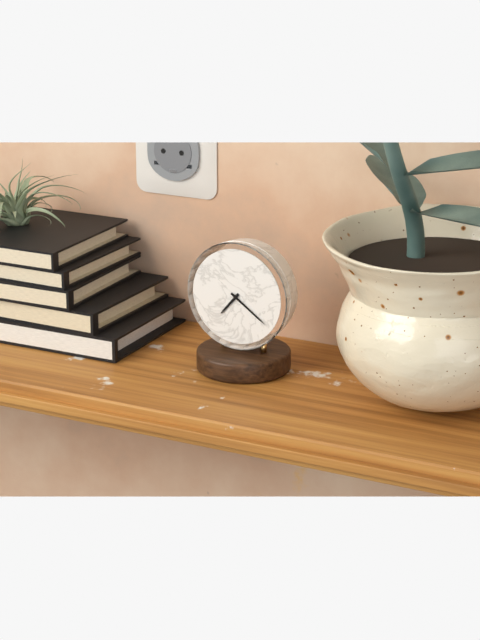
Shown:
7h21
